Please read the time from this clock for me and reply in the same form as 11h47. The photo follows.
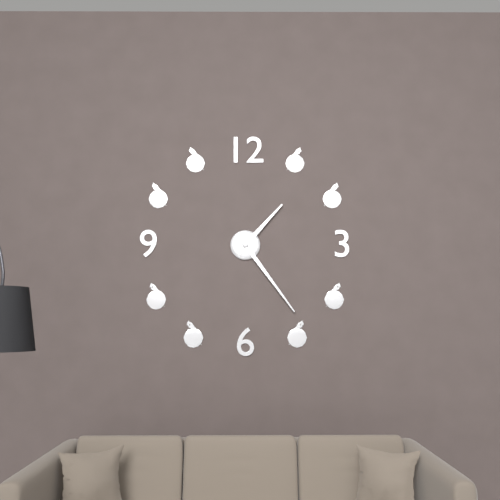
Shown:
1h24
